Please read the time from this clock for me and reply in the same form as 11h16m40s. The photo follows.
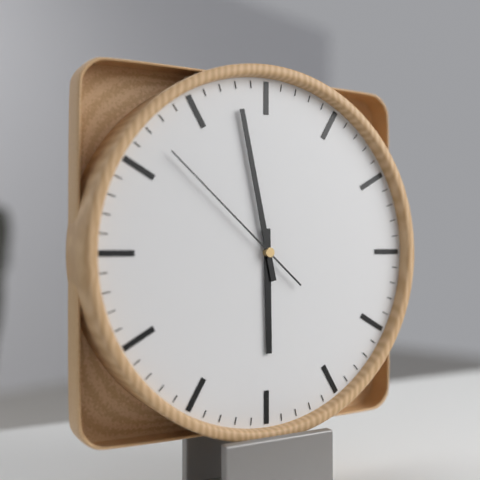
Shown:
5h58m52s
